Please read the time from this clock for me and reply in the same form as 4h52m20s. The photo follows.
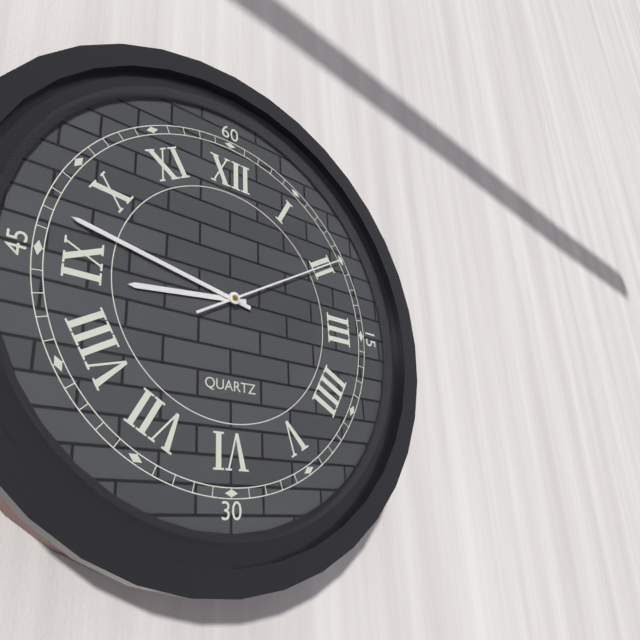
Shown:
8h47m10s
